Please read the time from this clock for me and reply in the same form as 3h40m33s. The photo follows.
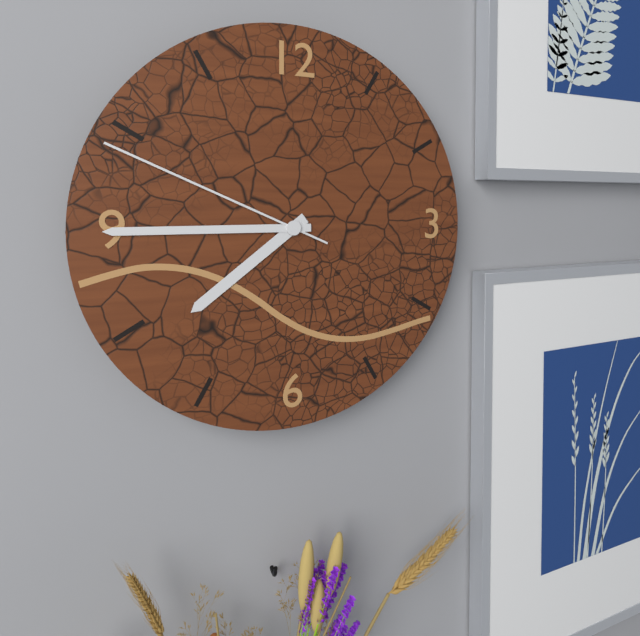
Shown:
7h45m49s
